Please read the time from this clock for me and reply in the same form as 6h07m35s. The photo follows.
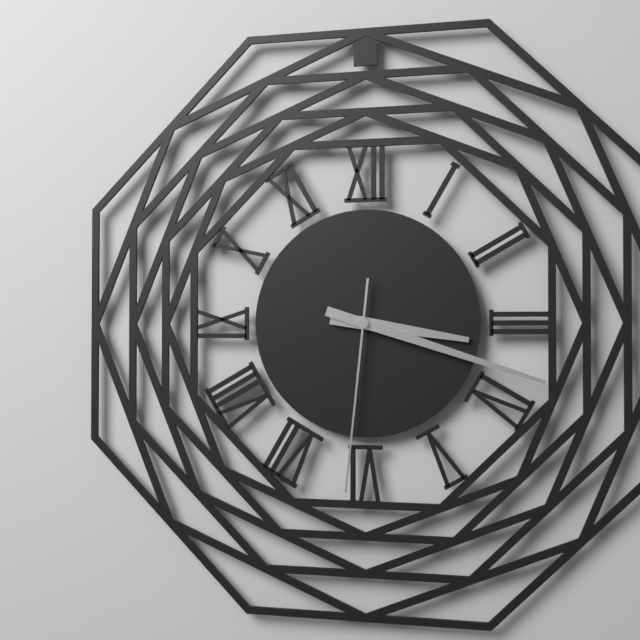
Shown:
3h18m31s
